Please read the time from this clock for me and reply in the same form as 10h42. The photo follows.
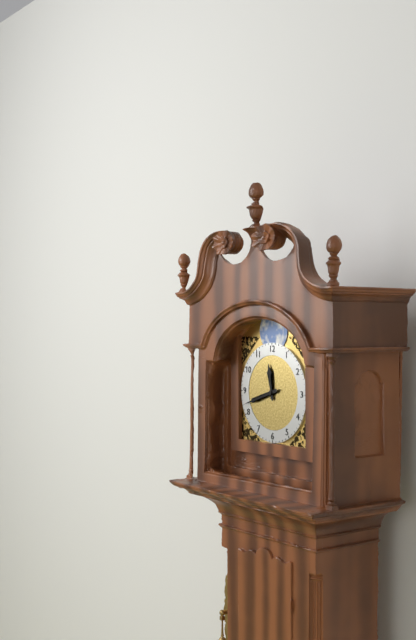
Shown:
11h42
